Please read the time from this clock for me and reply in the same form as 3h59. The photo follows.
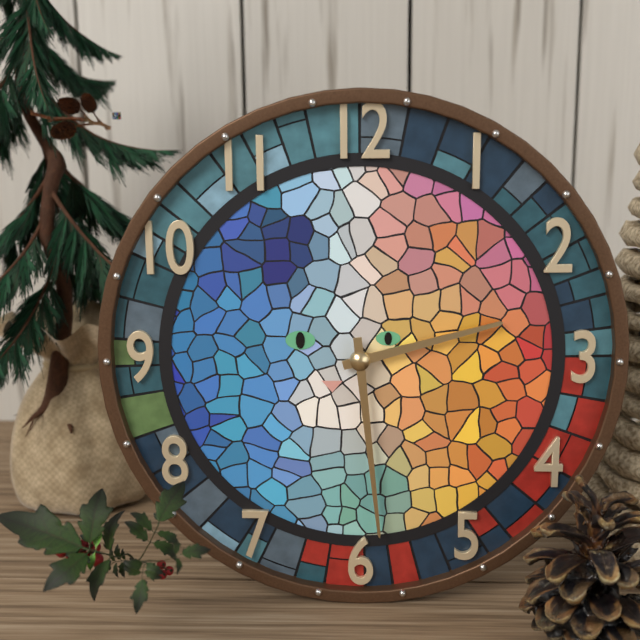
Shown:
2h29
